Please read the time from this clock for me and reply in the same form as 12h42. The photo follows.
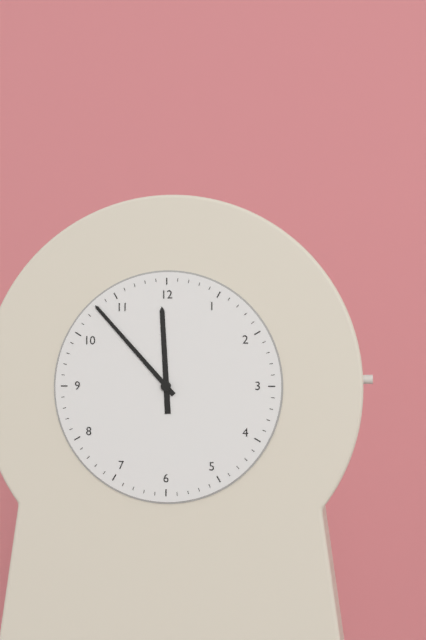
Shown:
11h53
